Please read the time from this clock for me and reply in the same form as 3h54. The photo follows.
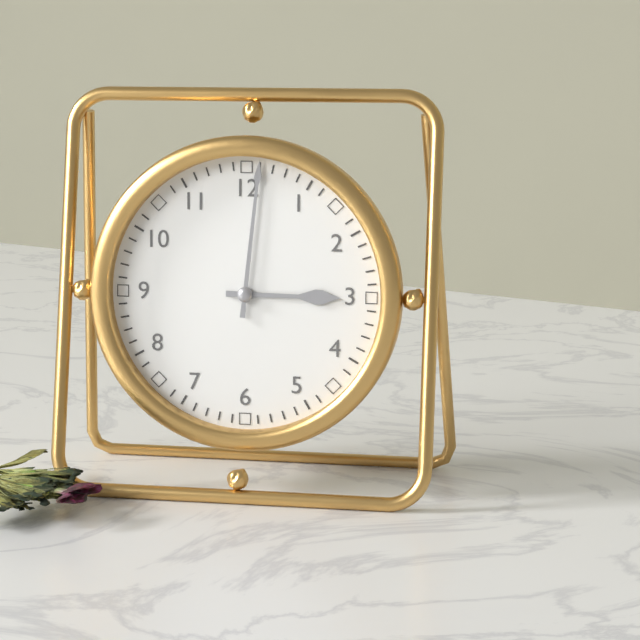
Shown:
3h01
